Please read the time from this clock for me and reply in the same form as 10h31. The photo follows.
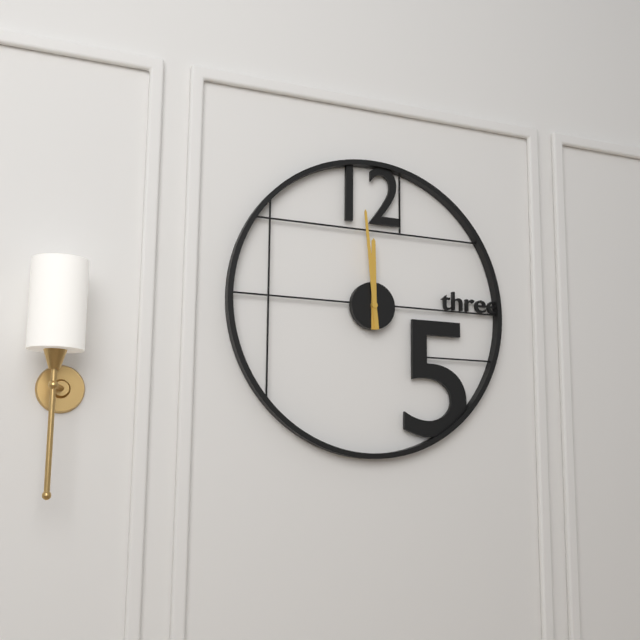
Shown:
11h59
